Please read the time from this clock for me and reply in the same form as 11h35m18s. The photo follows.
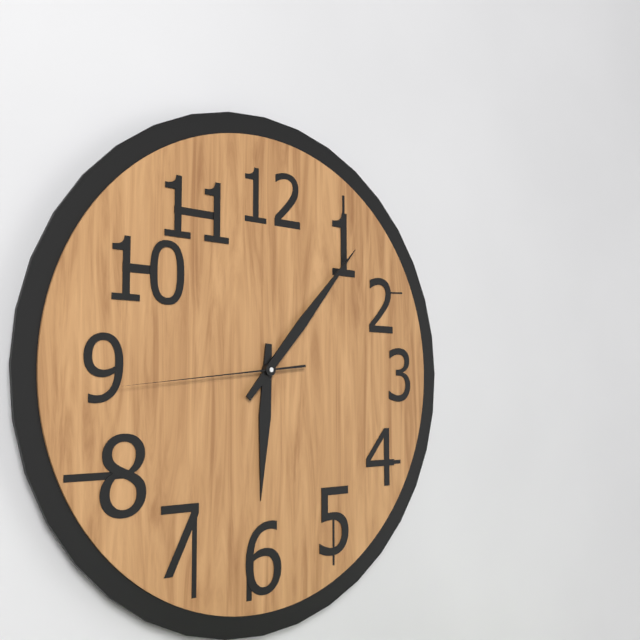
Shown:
6h07m44s
